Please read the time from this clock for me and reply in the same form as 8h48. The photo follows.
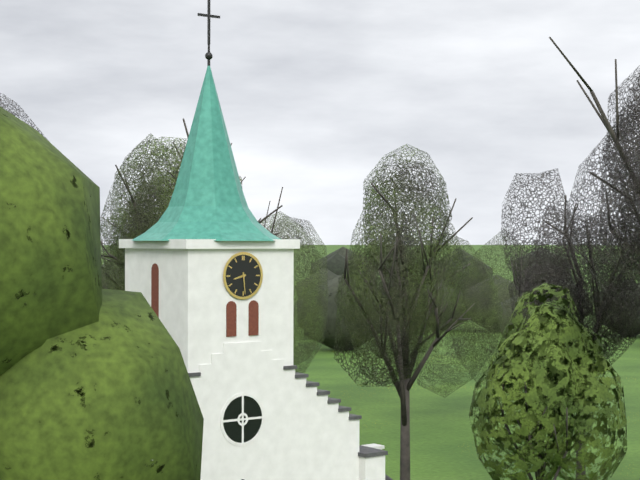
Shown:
8h29
